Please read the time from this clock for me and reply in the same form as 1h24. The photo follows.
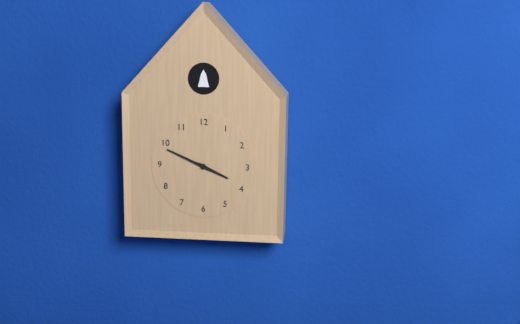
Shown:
3h49
